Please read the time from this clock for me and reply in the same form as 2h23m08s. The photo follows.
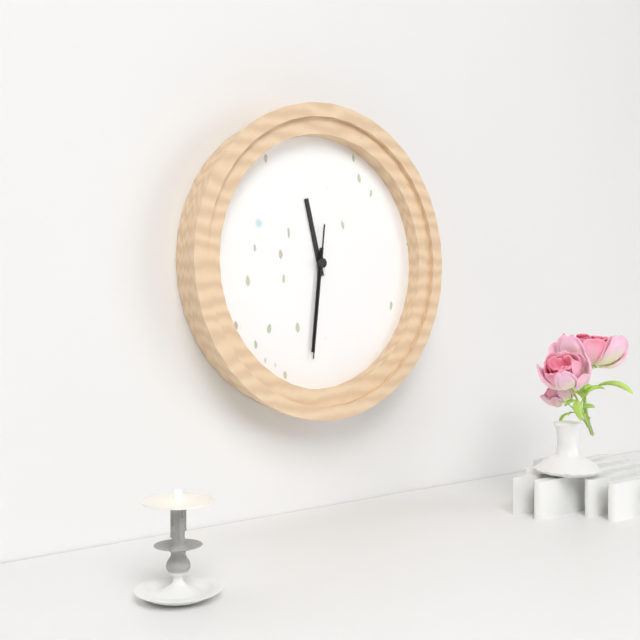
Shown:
11h31m31s
